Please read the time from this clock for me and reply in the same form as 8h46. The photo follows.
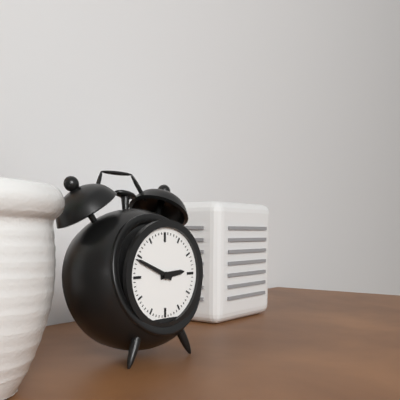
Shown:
2h49
